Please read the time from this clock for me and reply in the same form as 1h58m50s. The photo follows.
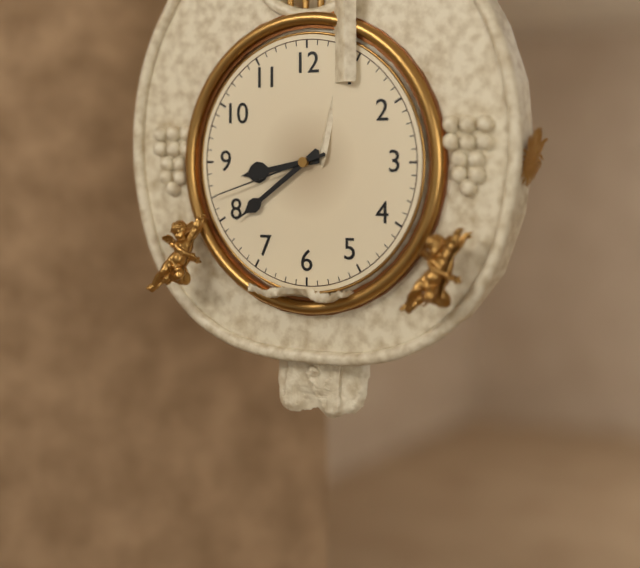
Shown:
8h39m42s
